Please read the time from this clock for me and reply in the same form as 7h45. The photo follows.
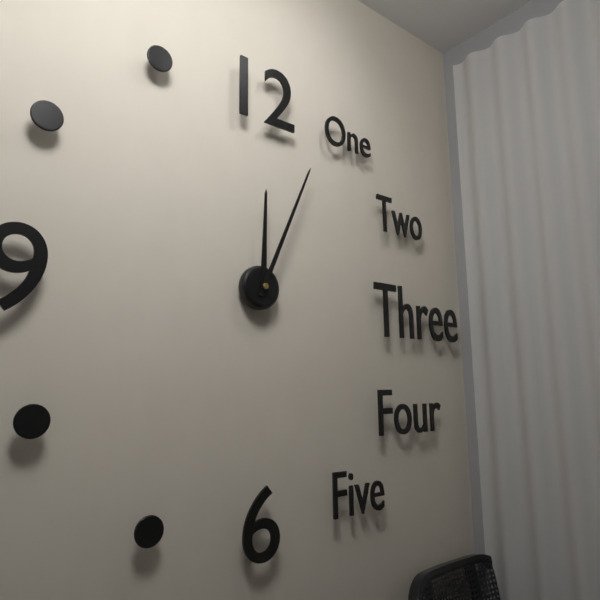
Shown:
12h04
